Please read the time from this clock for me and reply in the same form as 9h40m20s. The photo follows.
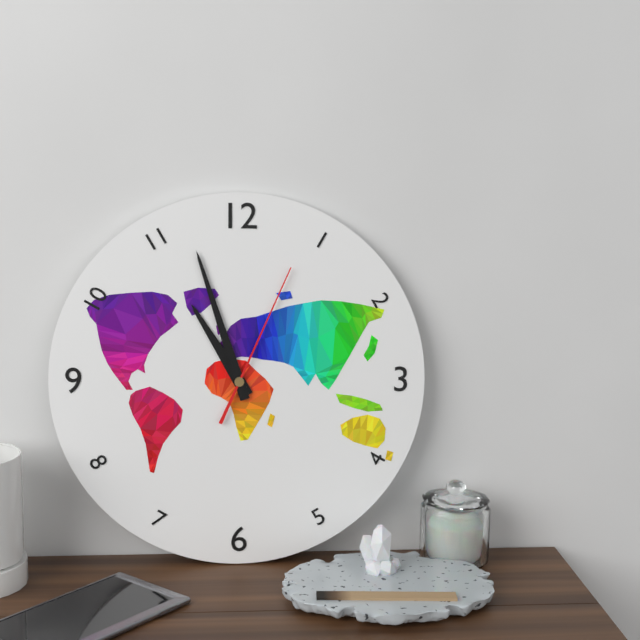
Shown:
10h57m04s
